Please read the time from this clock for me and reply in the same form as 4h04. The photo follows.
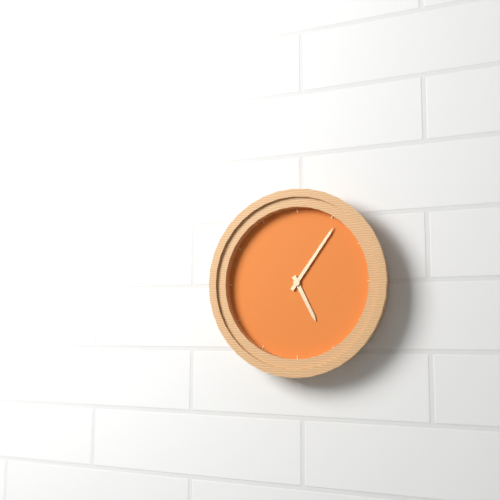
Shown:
5h06
